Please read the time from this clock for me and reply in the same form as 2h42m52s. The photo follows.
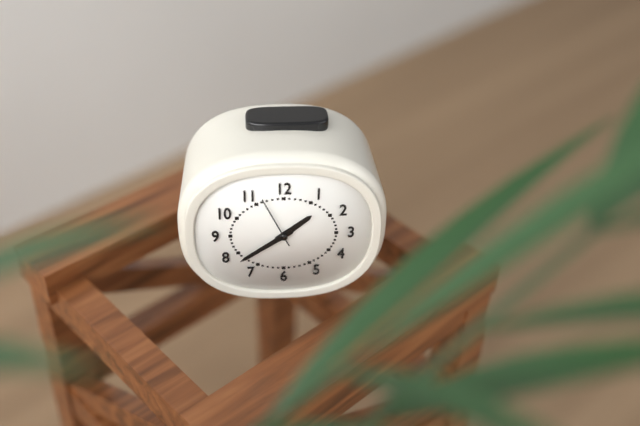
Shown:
1h39m56s
